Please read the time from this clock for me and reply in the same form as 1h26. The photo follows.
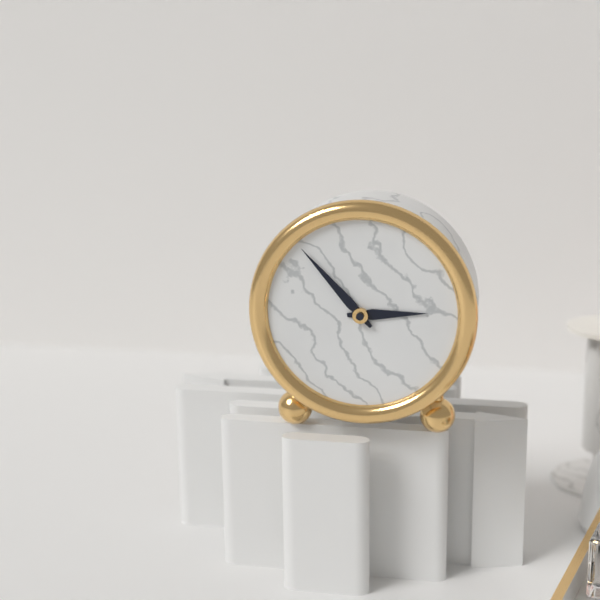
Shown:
2h53
